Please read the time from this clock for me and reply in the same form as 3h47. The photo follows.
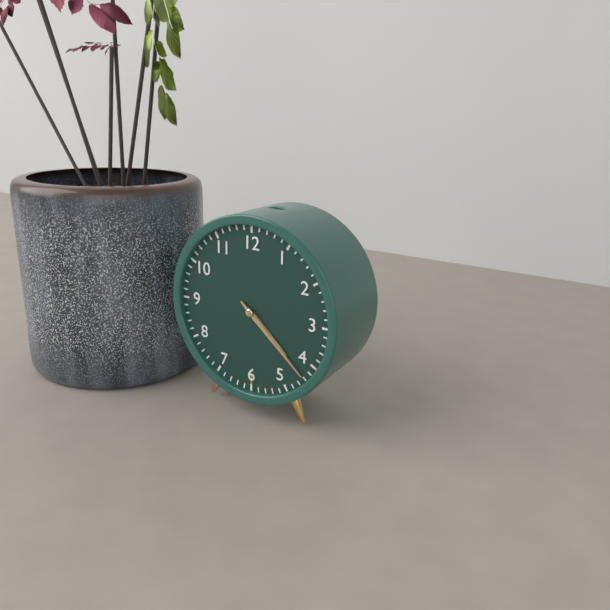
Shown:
4h22
